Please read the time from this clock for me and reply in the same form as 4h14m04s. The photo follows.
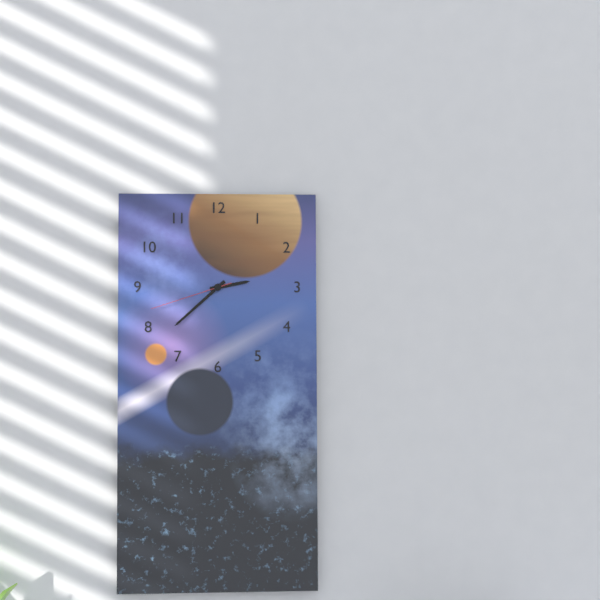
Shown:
2h38m42s
